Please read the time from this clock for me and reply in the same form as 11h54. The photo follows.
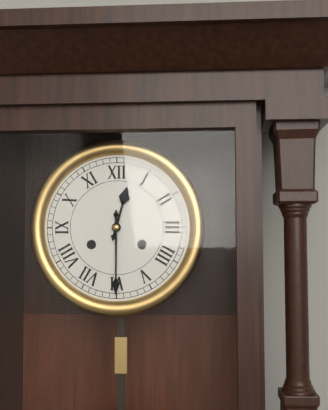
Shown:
12h30
